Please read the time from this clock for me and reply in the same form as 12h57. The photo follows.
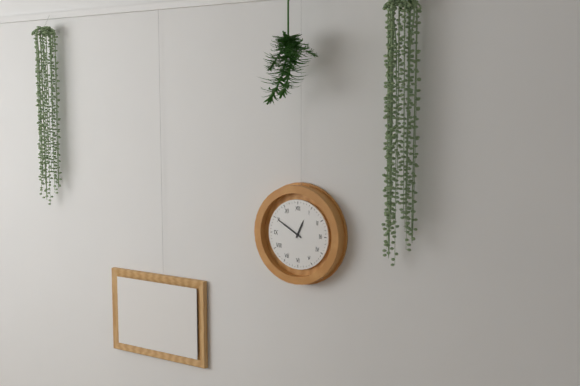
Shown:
12h50
